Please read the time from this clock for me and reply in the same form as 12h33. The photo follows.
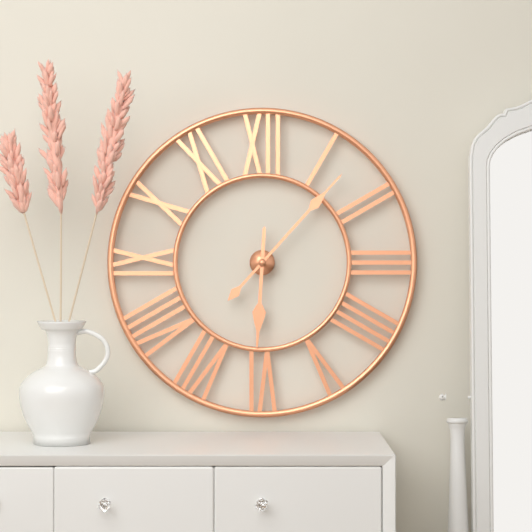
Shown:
6h07
